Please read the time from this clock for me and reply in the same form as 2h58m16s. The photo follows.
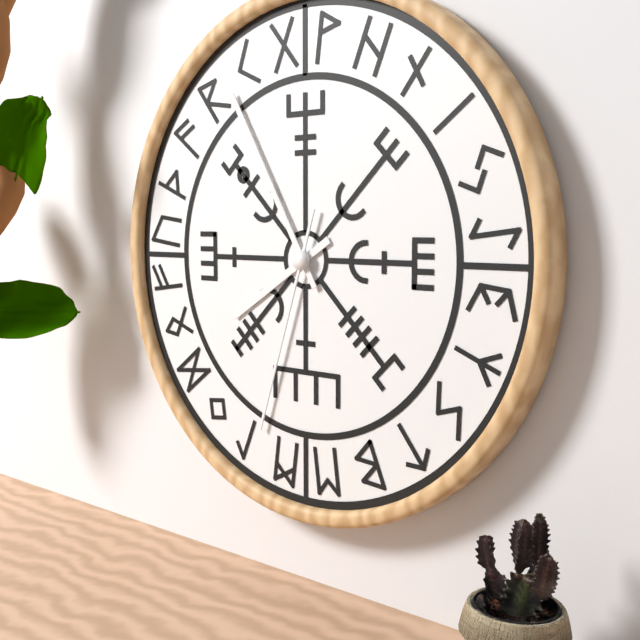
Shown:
7h55m33s
